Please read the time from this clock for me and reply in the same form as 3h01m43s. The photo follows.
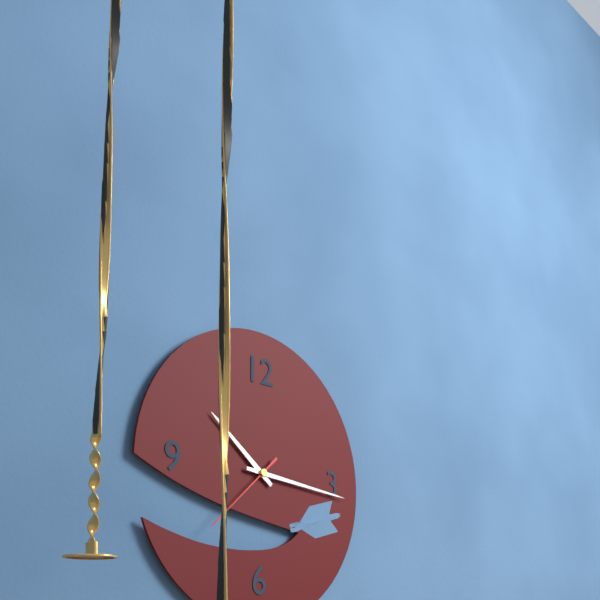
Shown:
10h16m38s
